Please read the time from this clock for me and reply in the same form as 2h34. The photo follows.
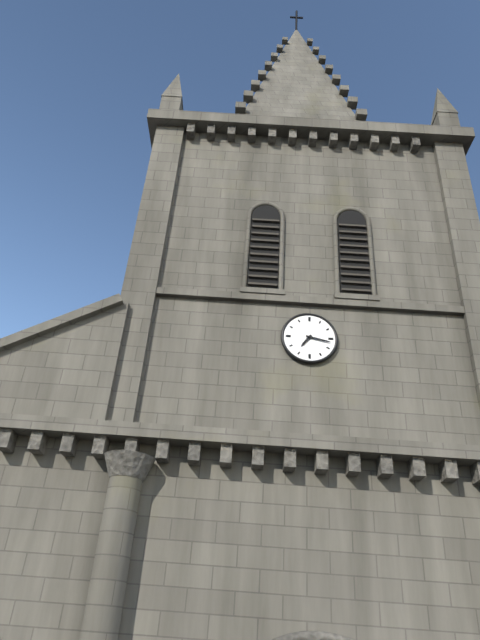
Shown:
7h17
